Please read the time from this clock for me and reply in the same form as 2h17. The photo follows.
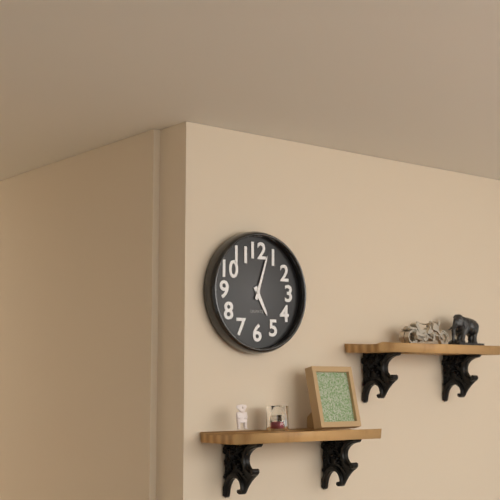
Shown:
5h03
